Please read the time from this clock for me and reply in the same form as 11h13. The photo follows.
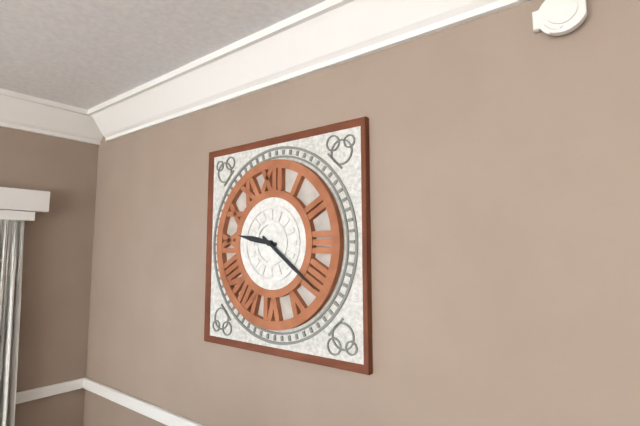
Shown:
9h21
